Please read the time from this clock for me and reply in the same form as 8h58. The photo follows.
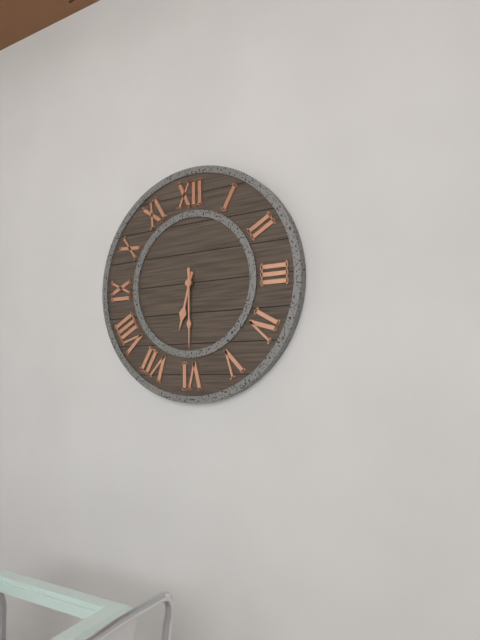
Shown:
6h30
